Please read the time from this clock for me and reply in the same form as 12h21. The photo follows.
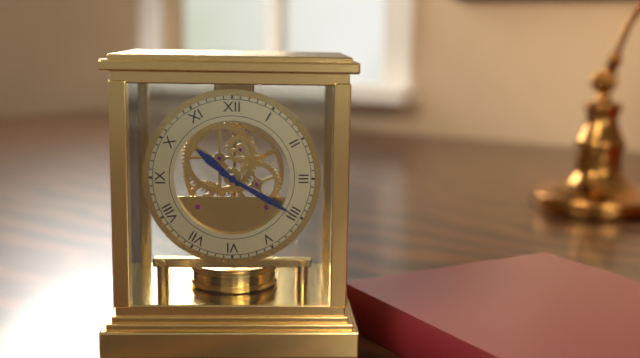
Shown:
10h20
